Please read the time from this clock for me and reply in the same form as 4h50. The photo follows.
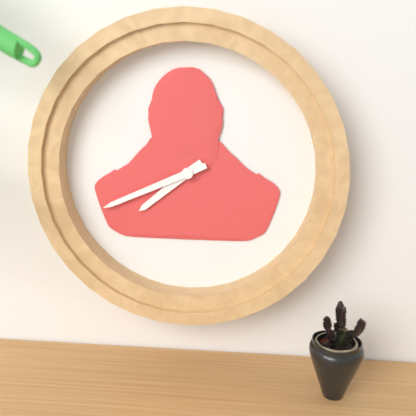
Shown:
7h41
